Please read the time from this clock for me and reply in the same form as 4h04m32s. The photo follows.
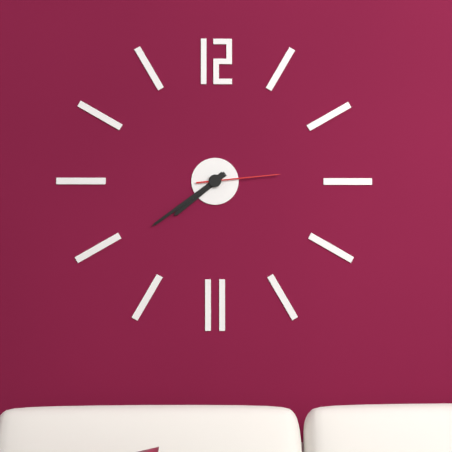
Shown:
7h39m14s
